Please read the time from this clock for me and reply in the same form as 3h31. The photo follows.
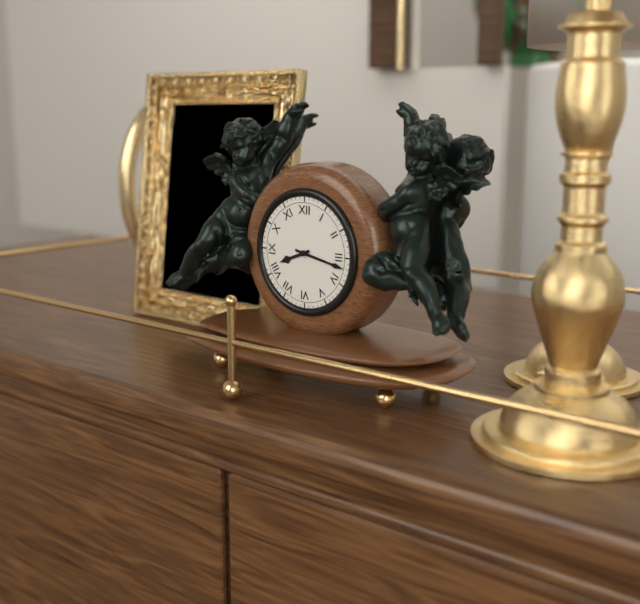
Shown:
8h17
